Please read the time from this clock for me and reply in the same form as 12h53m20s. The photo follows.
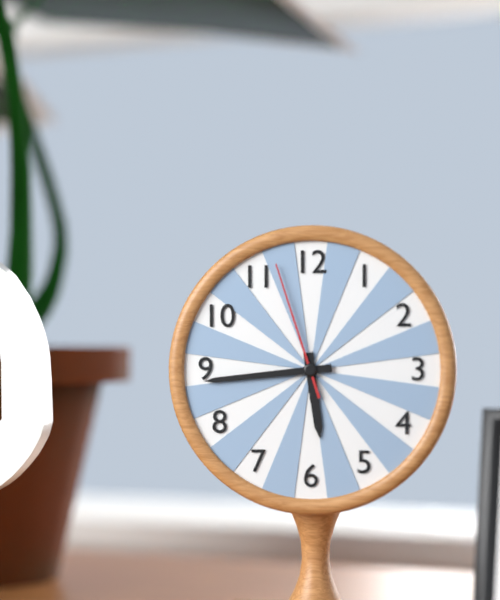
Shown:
5h44m57s
